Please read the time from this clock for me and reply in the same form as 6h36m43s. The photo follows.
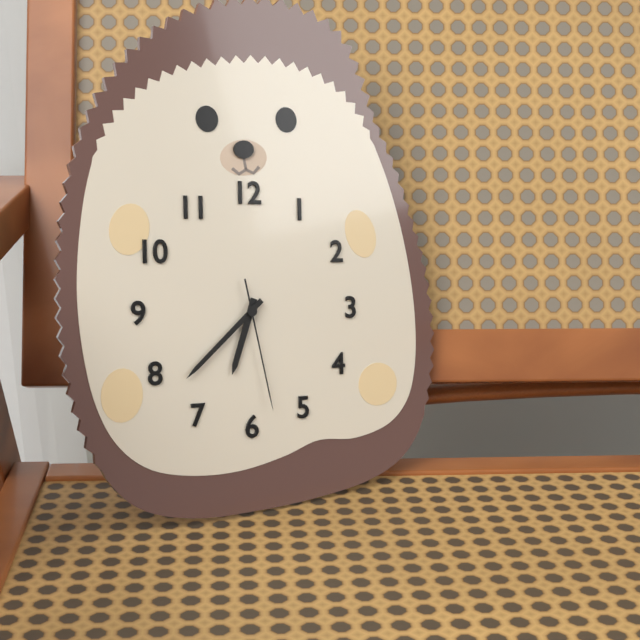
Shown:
6h38m28s
